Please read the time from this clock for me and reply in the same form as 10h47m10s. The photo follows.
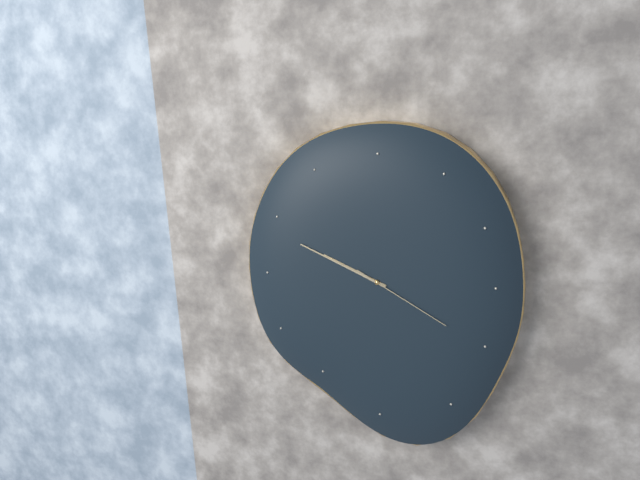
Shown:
9h49m20s
